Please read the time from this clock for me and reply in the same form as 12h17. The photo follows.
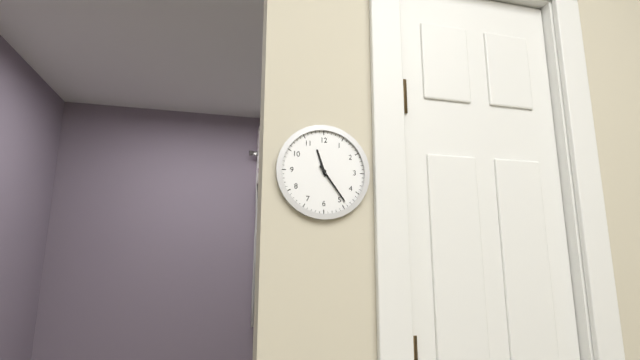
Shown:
11h24
